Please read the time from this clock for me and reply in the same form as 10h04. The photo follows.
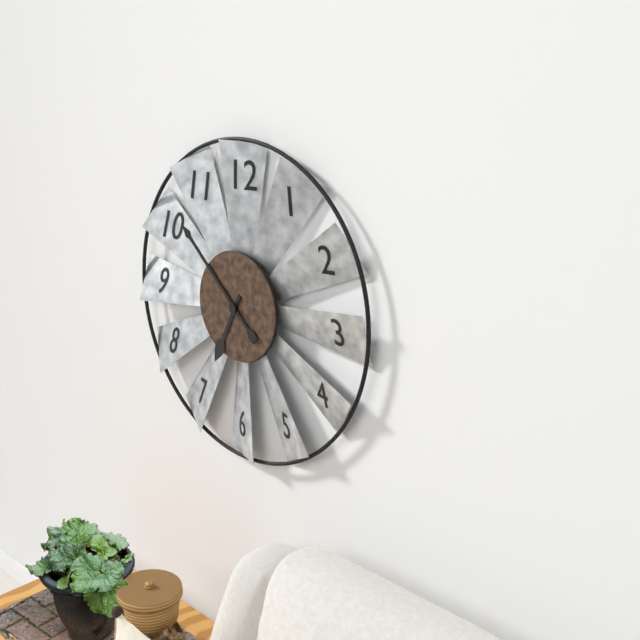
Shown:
6h52
